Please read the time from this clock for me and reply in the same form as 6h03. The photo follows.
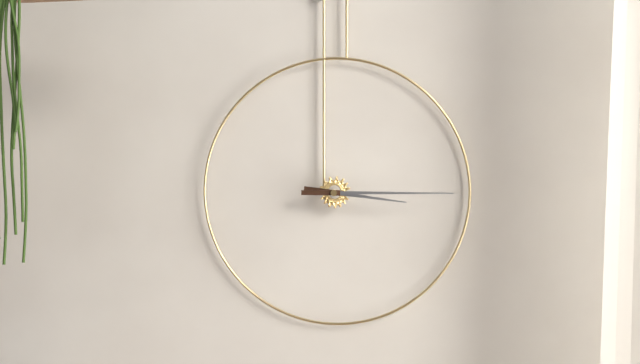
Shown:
3h15
